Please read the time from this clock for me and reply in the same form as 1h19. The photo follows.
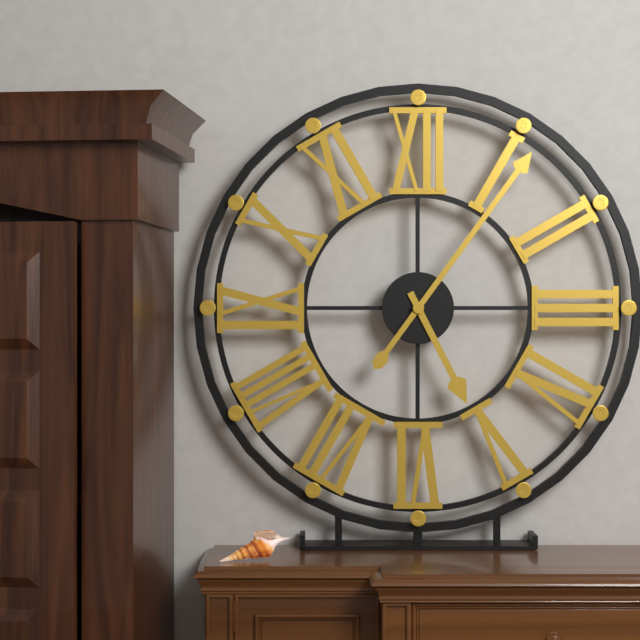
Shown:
5h06
